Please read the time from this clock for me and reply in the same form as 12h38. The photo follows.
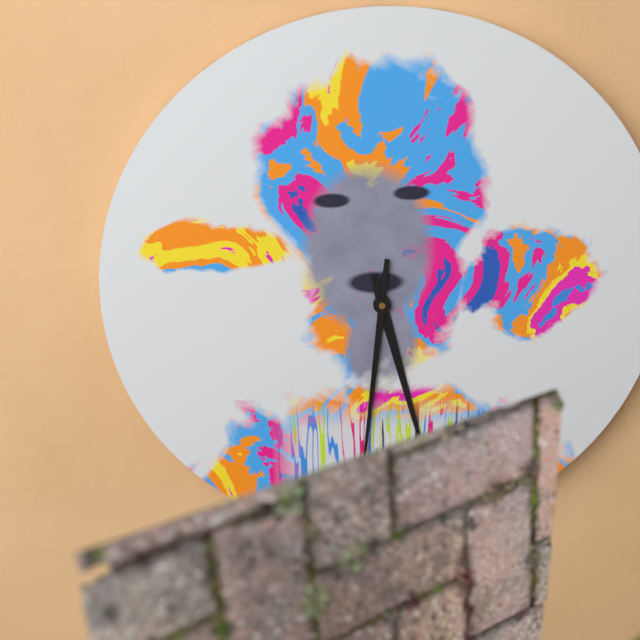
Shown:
5h31
